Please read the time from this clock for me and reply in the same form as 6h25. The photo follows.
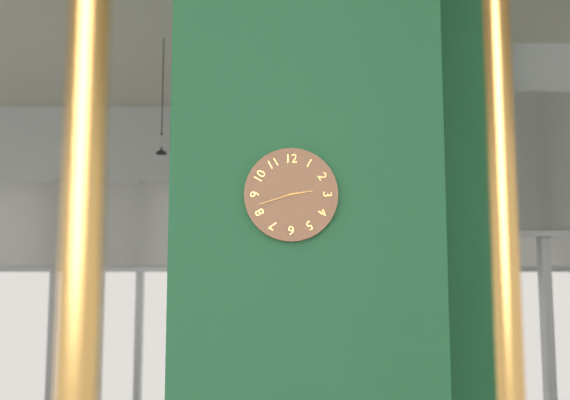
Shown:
2h42
